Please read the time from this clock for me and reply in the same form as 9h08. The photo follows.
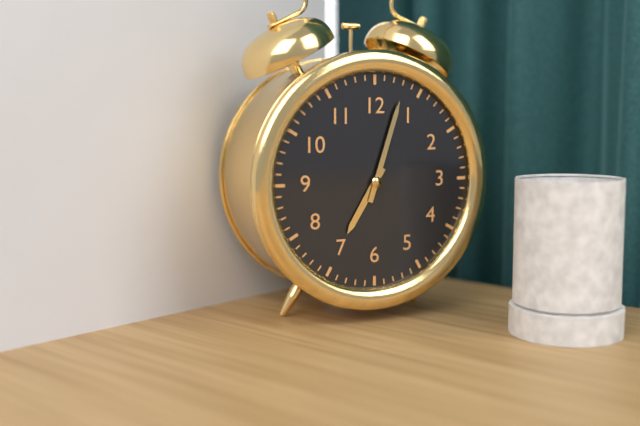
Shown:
7h03
